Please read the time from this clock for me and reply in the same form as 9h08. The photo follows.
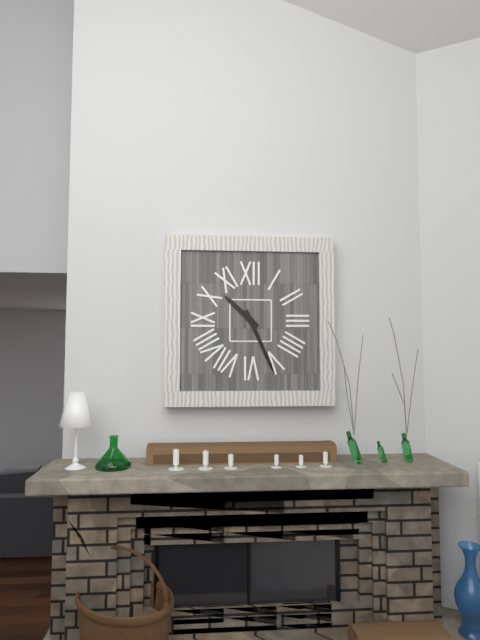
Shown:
10h26
